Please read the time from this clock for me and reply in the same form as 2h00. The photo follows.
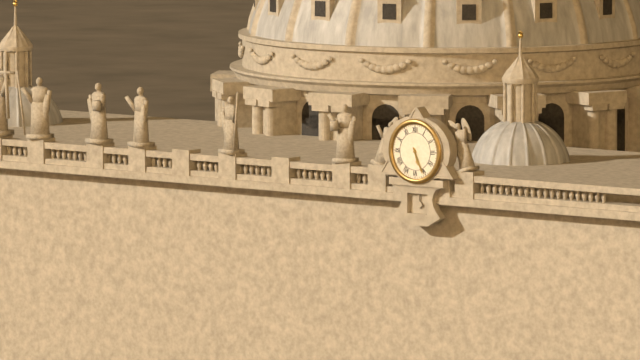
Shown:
5h26
